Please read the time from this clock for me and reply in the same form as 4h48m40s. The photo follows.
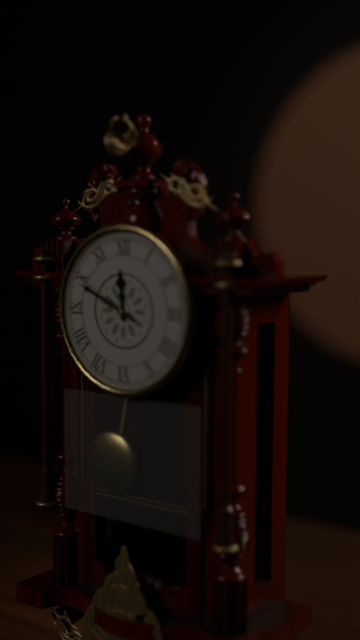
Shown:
11h49m50s
